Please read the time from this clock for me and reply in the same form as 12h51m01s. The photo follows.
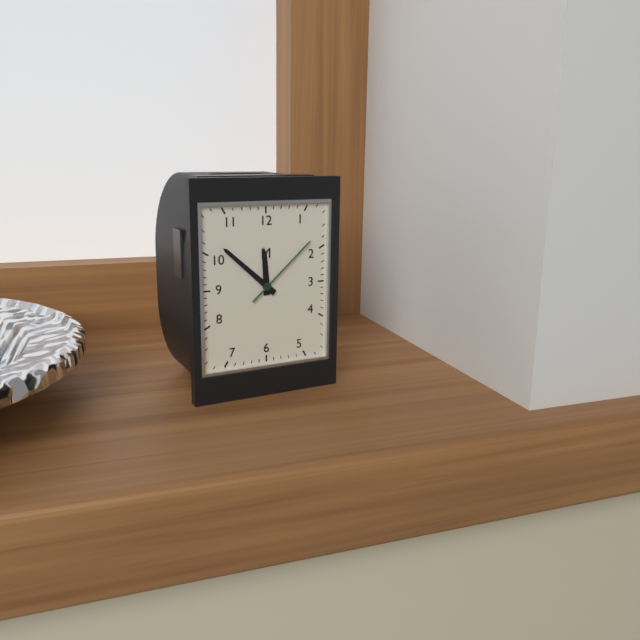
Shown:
11h52m08s
